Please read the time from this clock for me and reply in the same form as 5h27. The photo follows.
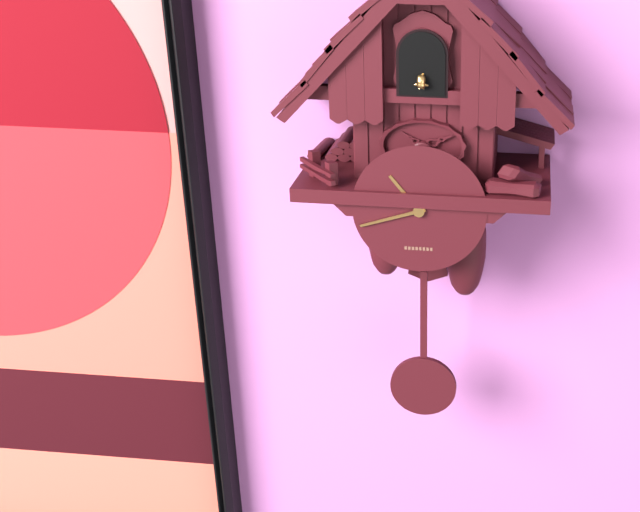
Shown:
10h42
